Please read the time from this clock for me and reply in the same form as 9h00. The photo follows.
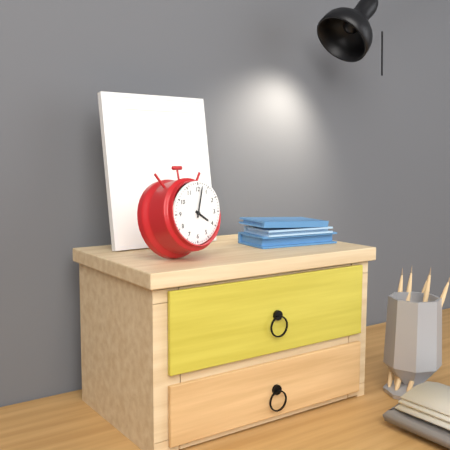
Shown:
4h02
